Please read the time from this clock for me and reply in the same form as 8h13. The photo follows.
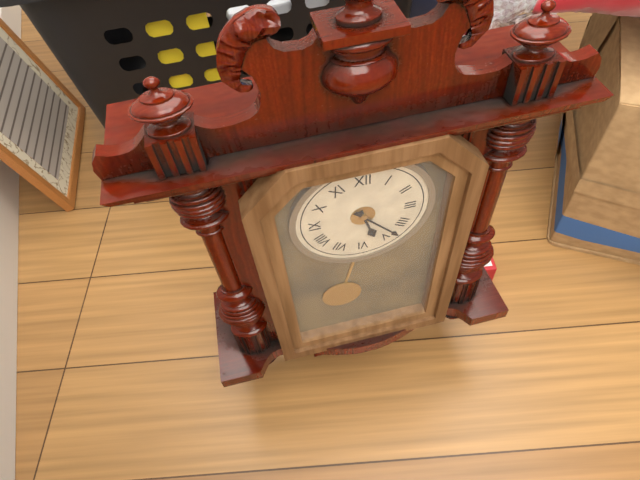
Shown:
5h23
